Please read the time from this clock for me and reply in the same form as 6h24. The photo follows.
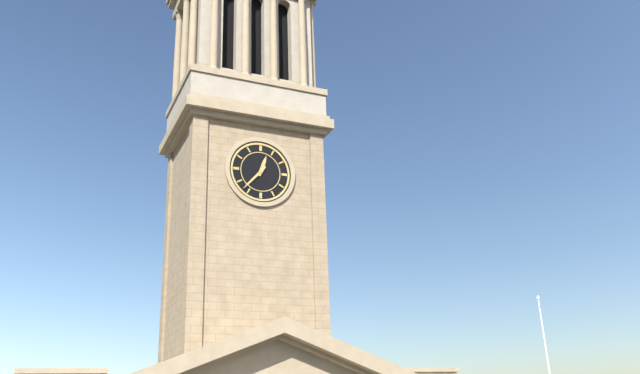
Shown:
12h37
